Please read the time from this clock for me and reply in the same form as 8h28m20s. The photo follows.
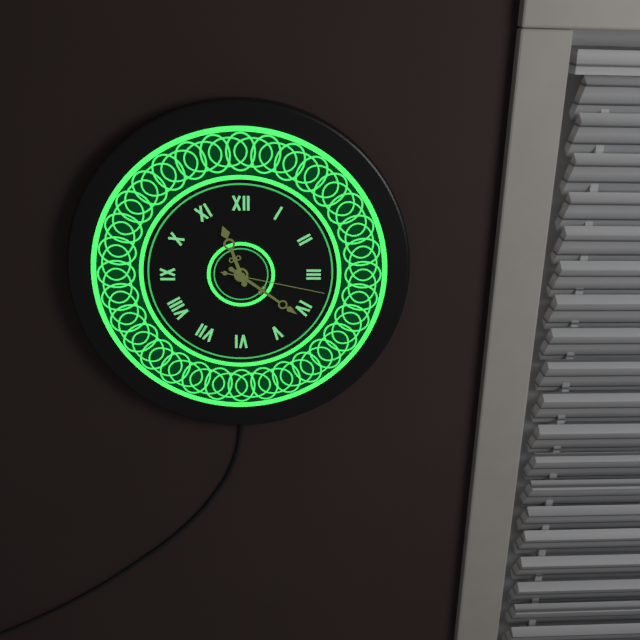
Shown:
11h21m17s
